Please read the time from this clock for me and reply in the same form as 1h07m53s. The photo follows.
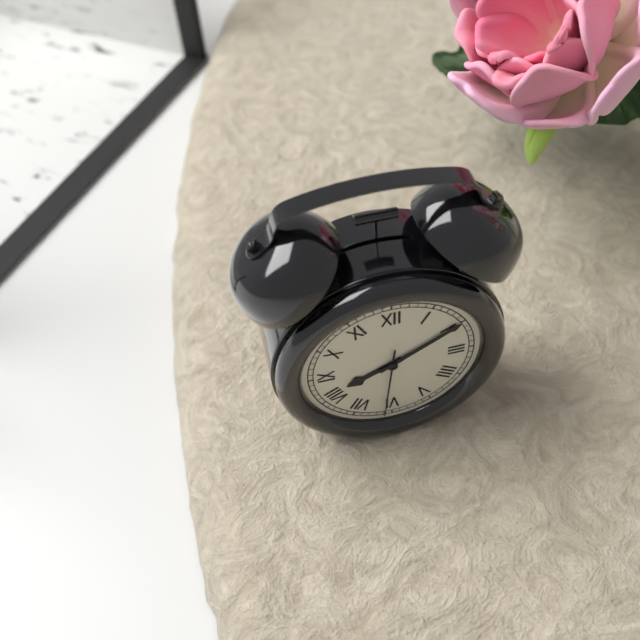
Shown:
8h10m31s
